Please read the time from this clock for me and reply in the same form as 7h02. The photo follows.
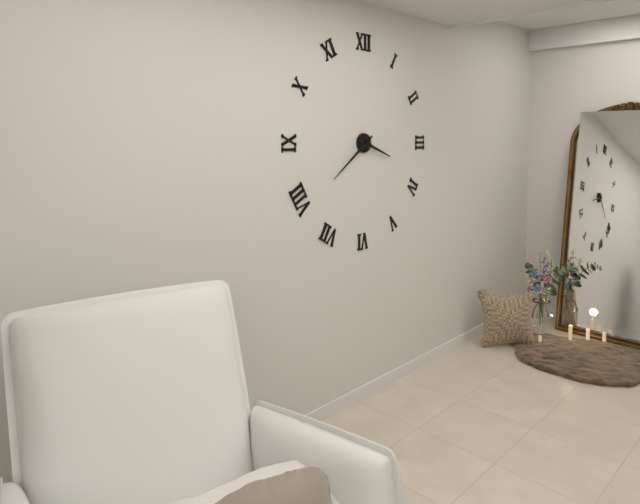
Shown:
3h39
